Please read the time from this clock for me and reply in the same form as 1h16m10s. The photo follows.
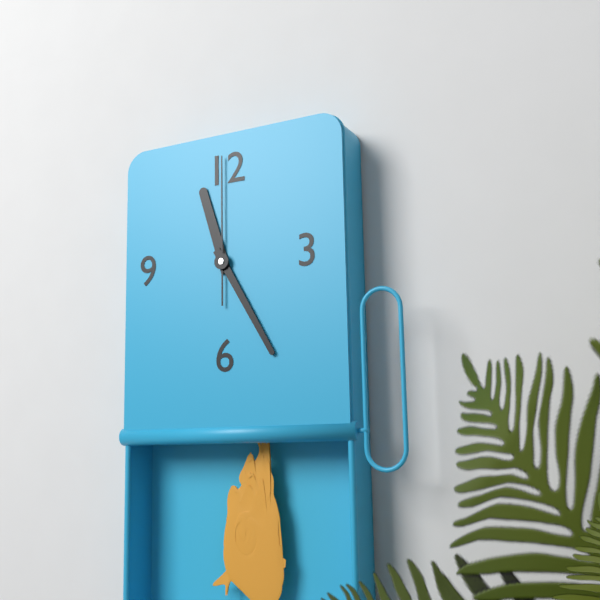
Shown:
11h25m00s
